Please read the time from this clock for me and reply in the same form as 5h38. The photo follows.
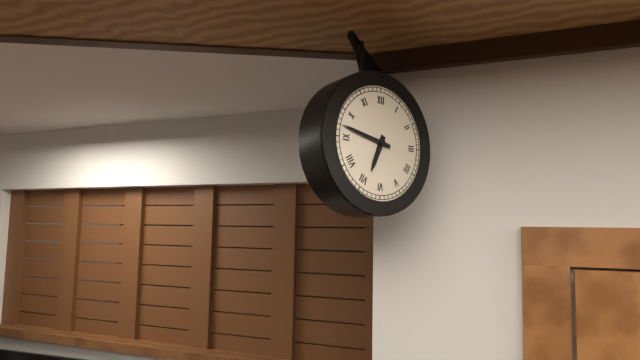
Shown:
6h47
